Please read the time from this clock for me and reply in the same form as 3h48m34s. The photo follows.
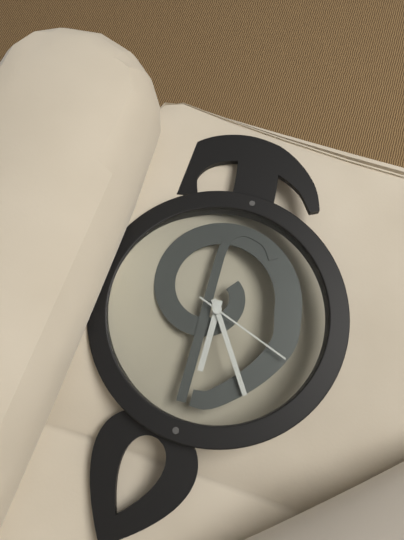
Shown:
11h54m48s
